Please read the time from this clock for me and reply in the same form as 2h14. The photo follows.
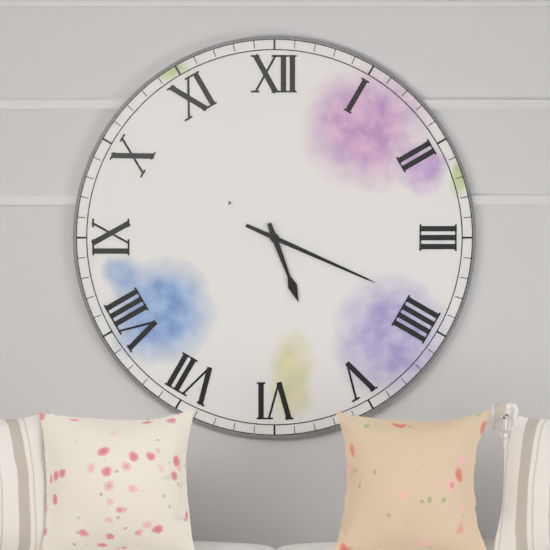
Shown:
5h19
